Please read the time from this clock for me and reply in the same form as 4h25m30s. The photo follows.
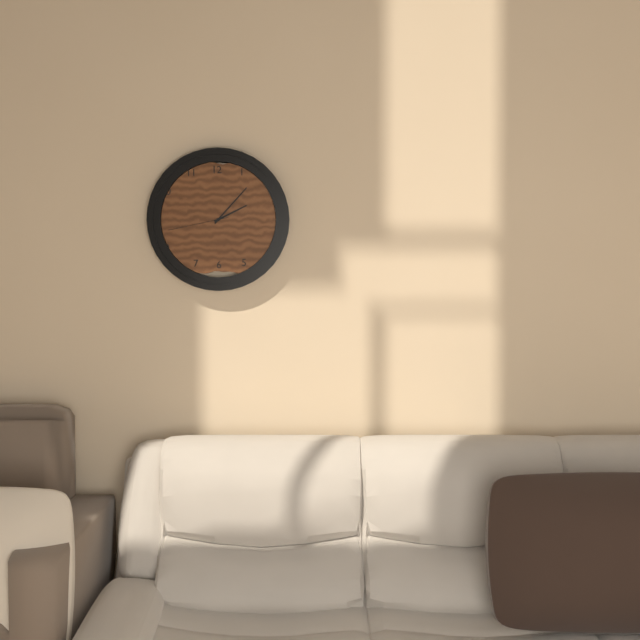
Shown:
2h07m43s
